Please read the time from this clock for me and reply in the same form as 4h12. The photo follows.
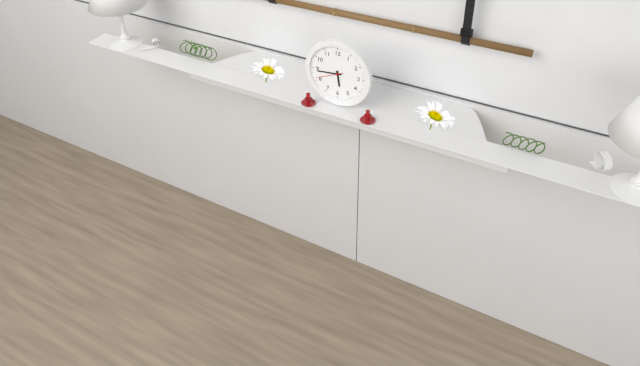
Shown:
5h44
